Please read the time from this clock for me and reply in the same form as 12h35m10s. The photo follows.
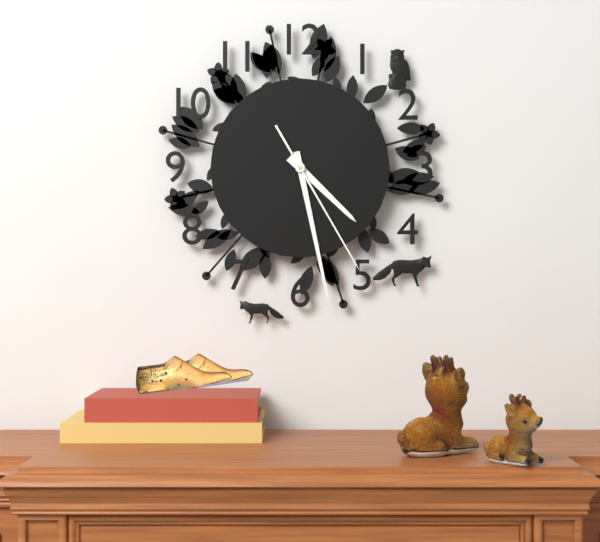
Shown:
4h28m25s
